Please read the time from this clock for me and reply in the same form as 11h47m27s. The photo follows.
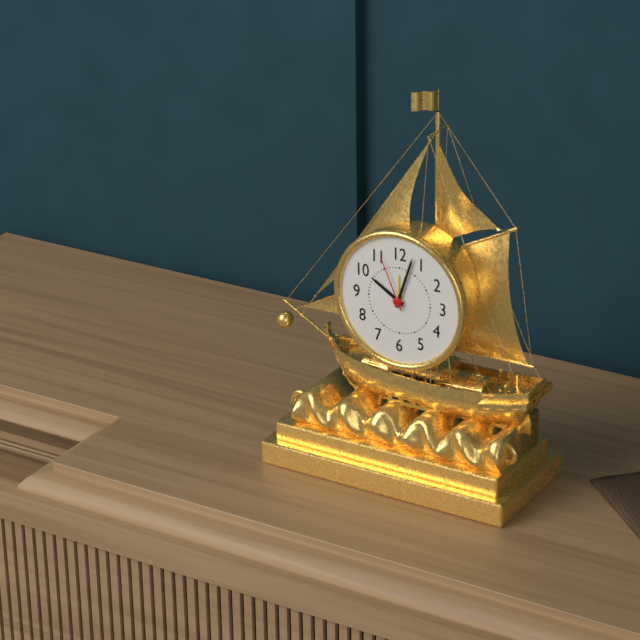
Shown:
10h03m56s
